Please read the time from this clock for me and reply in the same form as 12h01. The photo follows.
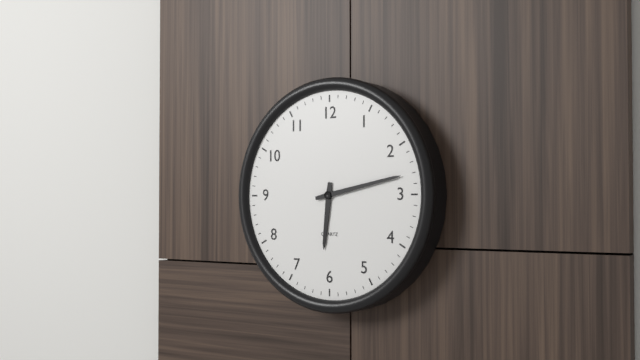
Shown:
6h13
